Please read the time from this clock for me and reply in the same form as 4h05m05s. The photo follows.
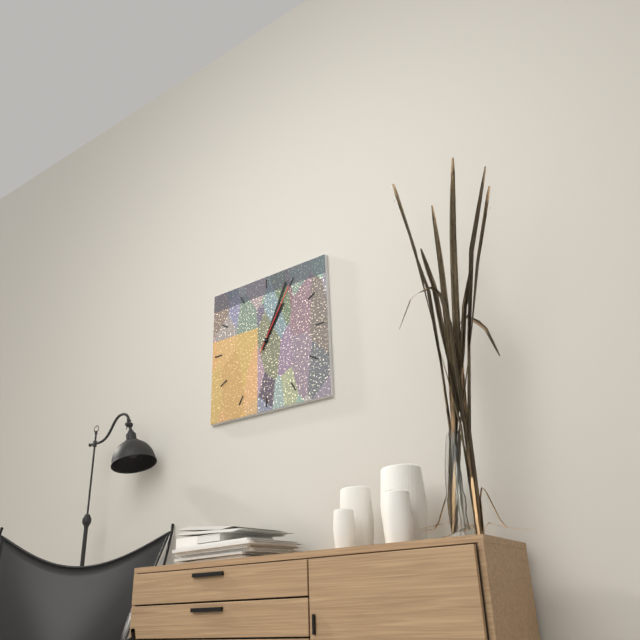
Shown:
1h04m05s
